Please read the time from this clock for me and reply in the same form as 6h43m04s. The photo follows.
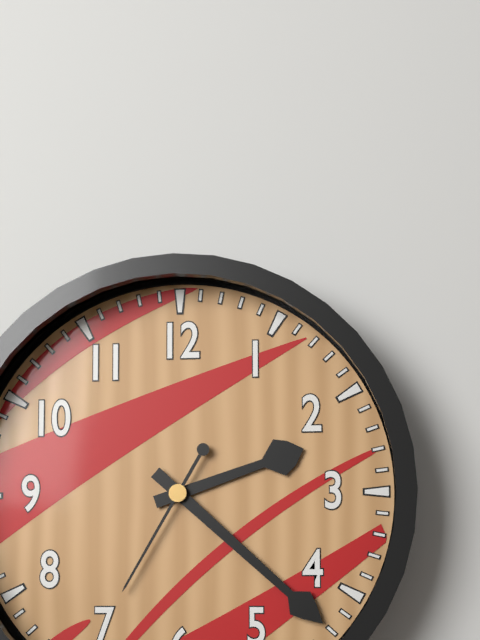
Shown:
2h22m35s
